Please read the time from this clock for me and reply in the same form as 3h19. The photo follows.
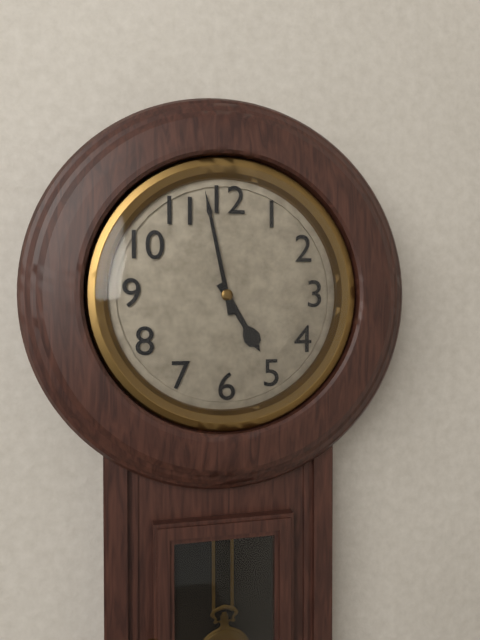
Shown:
4h58
